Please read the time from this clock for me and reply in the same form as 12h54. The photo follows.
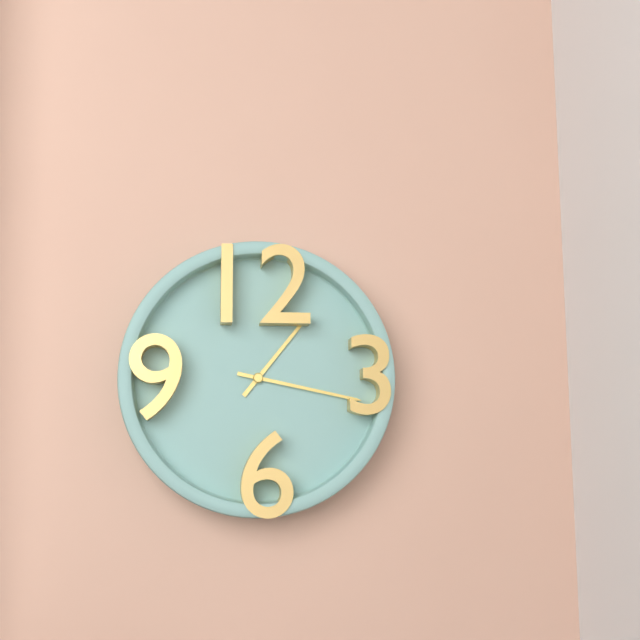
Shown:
1h17
